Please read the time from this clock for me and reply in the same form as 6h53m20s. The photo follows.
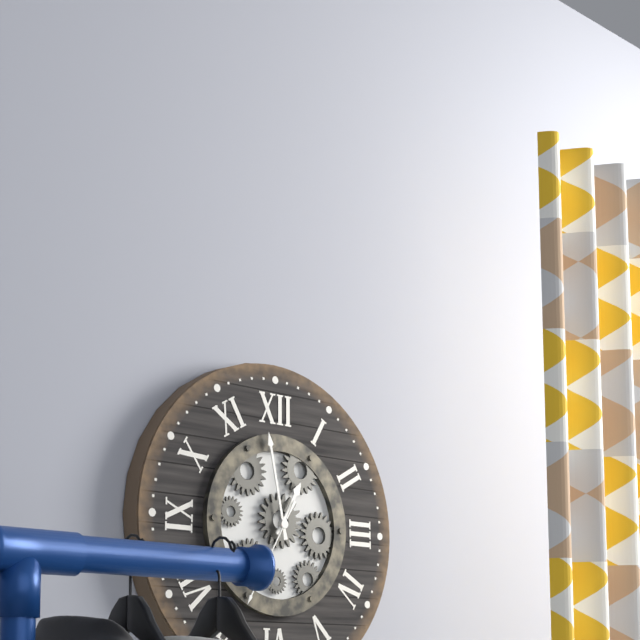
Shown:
12h58m35s
